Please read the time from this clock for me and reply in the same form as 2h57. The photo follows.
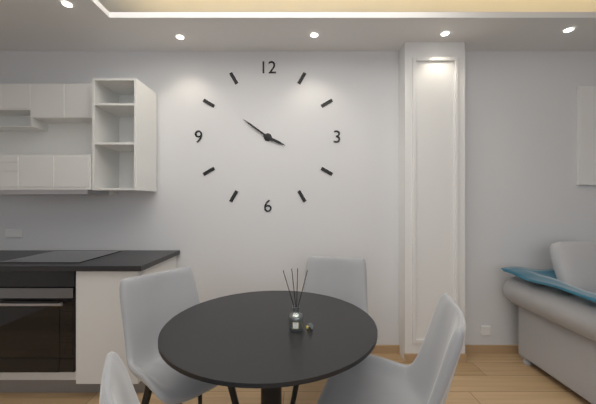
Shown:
3h51
